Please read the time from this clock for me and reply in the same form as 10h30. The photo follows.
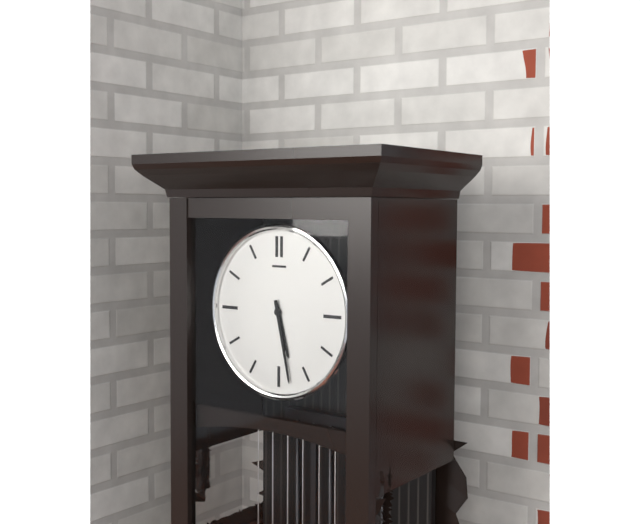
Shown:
5h28
